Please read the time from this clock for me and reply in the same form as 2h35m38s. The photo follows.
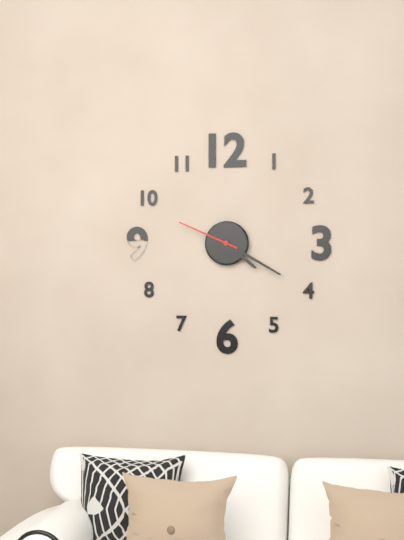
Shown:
4h20m49s
